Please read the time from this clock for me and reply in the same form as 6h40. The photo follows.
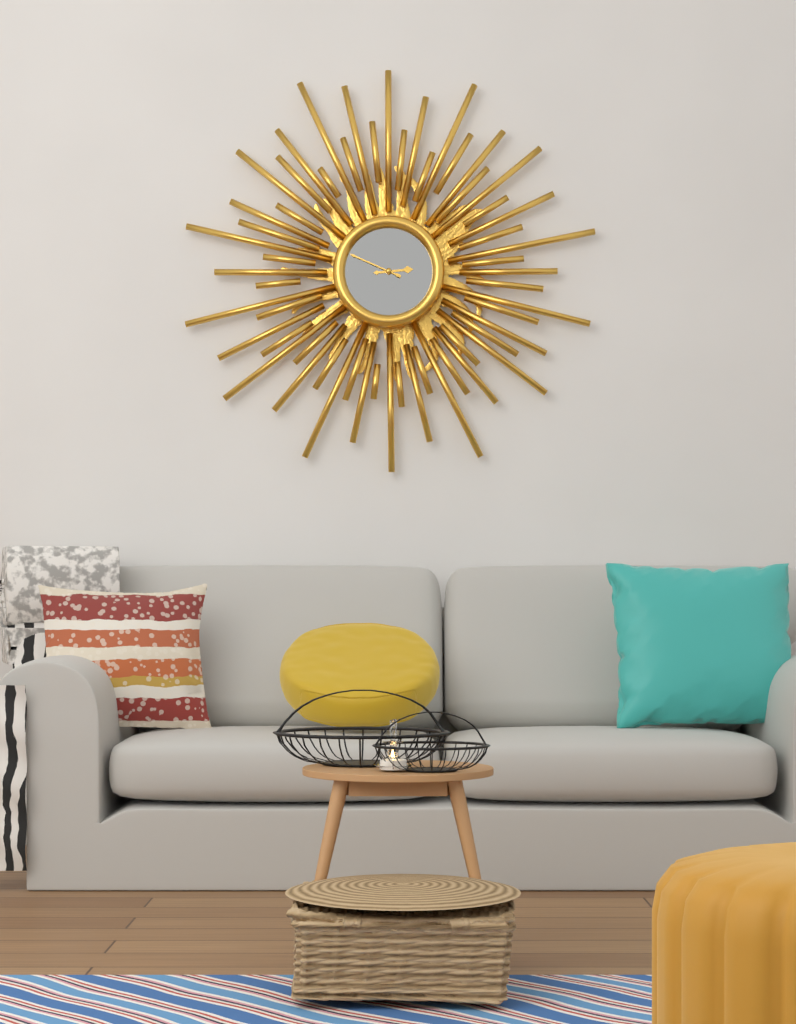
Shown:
2h49
